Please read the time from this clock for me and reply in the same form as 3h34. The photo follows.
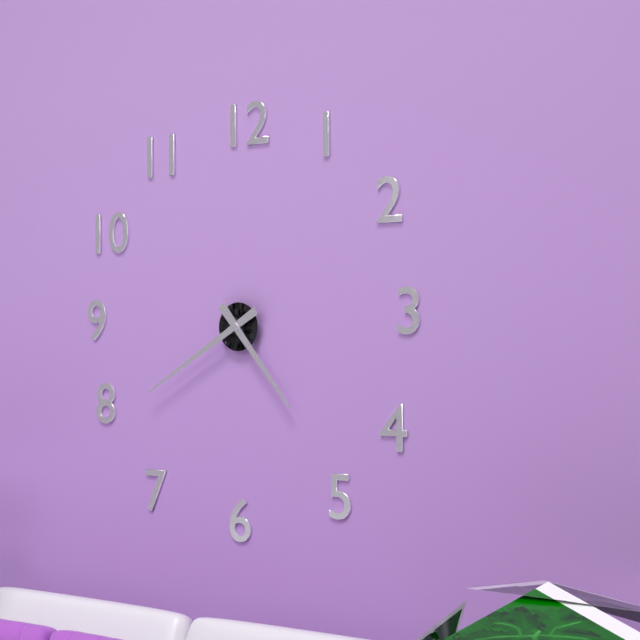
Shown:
4h40
